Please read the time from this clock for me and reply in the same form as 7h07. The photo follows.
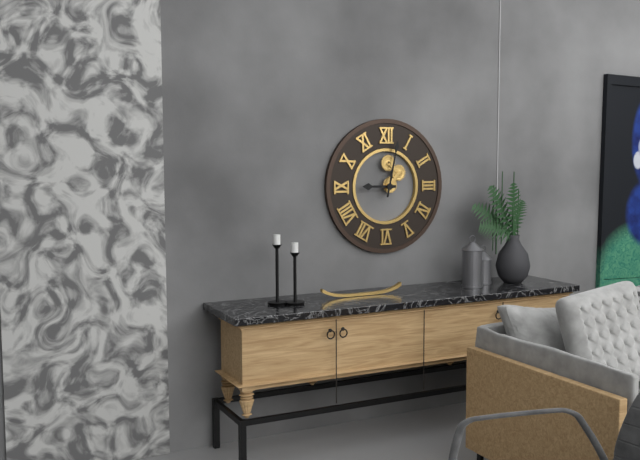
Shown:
9h02
